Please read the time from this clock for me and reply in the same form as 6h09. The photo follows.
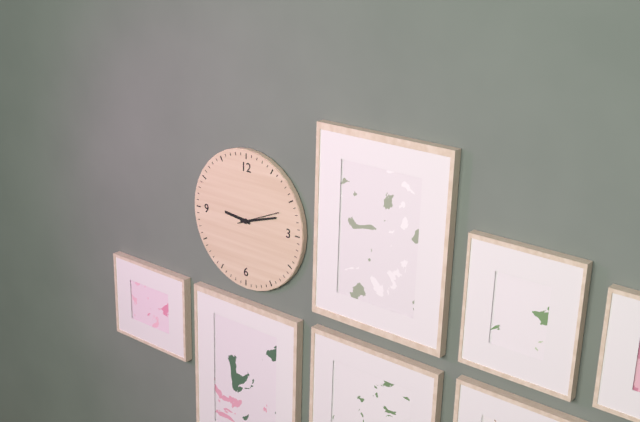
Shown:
9h12
